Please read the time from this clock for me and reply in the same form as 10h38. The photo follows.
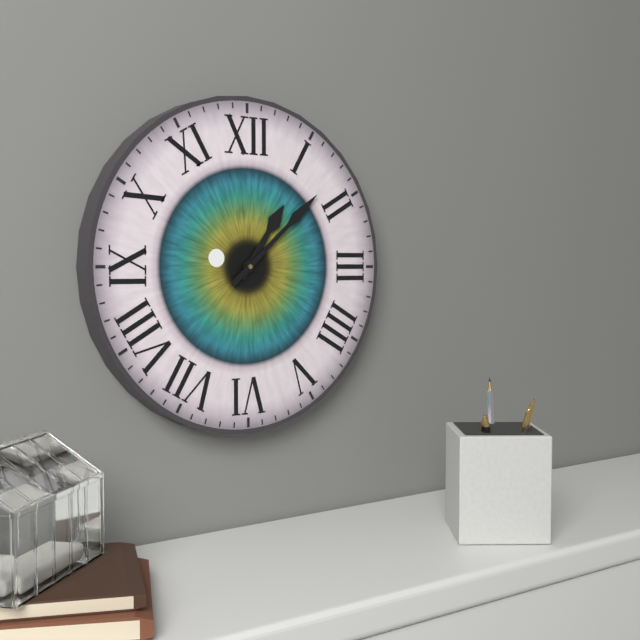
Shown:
1h08
